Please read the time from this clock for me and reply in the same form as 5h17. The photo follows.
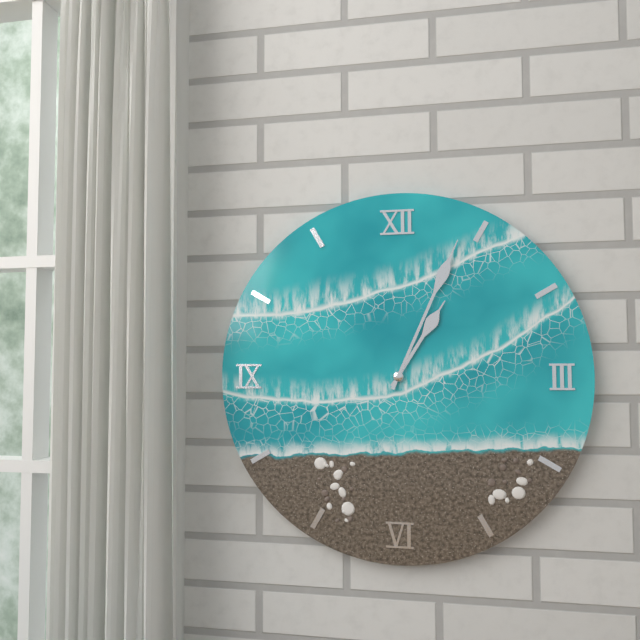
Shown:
1h04
